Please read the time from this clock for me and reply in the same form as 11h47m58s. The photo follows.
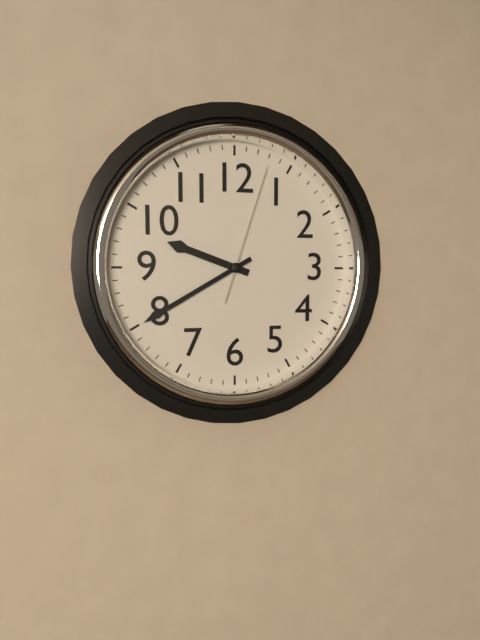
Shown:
9h40m03s
